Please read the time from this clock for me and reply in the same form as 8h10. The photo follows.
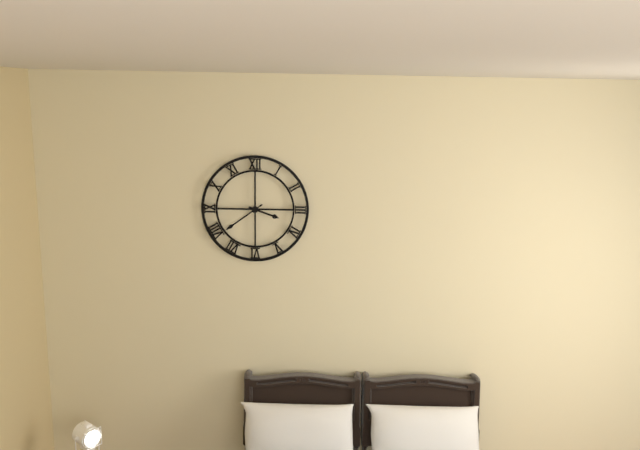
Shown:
3h39
